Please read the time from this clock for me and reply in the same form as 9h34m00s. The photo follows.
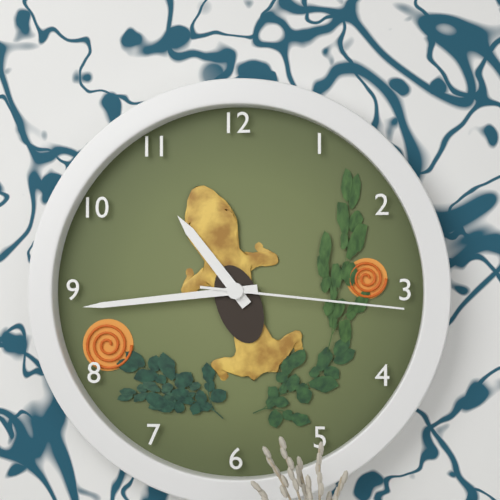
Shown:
10h44m16s
